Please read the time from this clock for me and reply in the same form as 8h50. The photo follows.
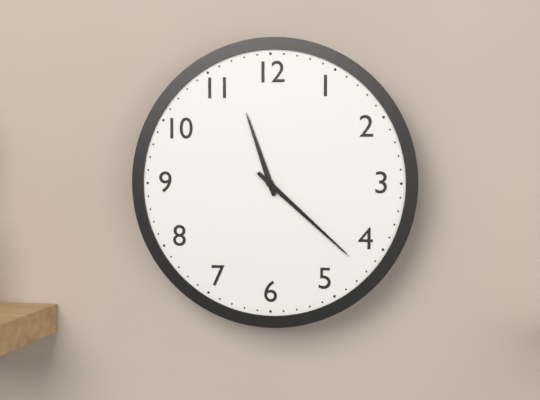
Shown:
11h22
